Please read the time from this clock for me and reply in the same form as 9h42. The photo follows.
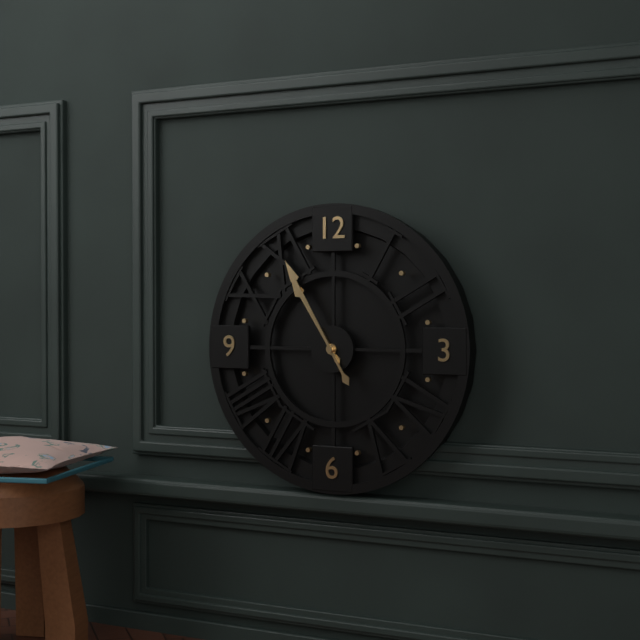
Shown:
10h55
